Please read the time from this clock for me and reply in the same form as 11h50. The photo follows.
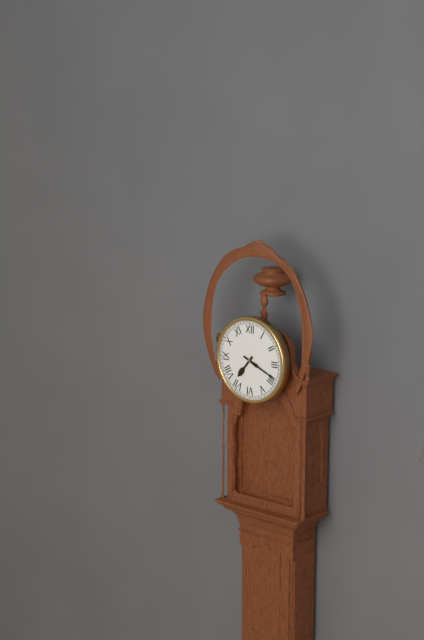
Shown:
7h19
